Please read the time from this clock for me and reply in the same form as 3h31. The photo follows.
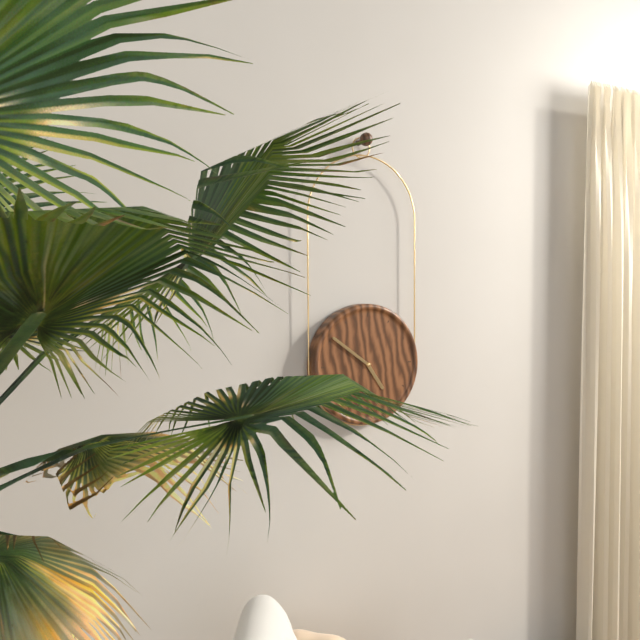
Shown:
4h51
